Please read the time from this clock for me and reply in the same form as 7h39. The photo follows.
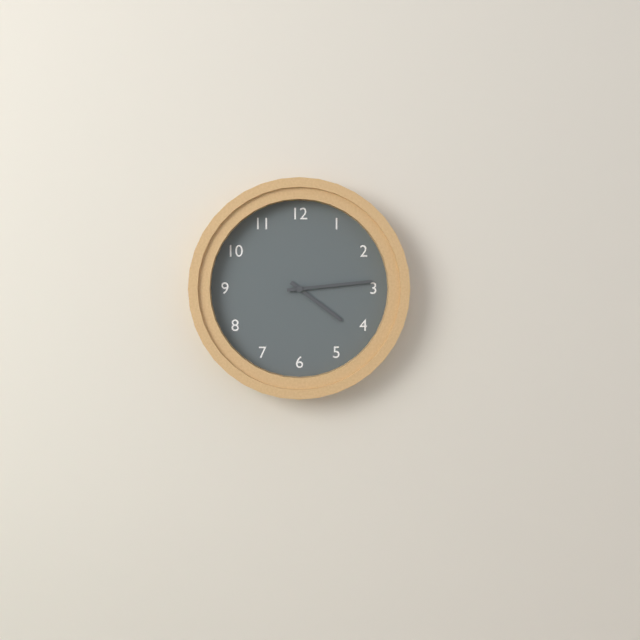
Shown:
4h14
